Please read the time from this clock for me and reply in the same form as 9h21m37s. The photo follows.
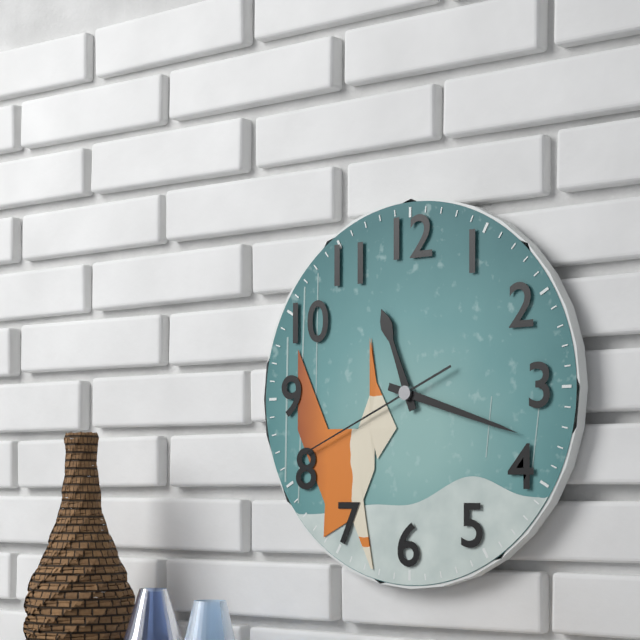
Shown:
11h18m41s
